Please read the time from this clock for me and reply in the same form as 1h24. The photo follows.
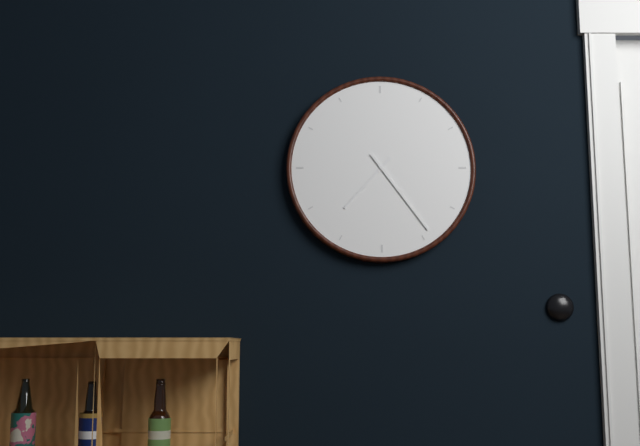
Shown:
7h24
